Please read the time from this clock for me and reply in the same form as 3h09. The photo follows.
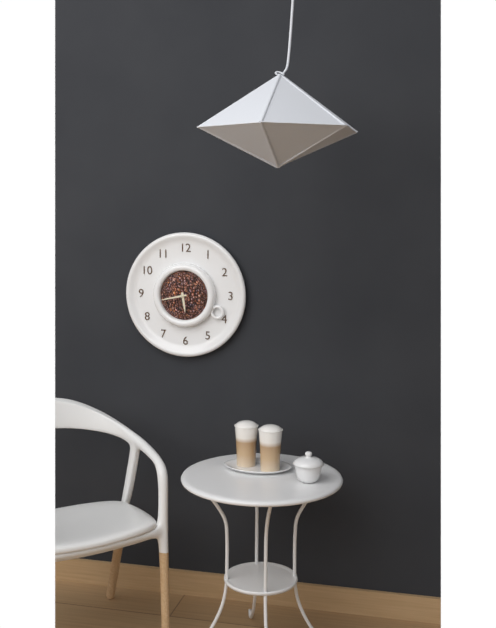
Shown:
5h43
